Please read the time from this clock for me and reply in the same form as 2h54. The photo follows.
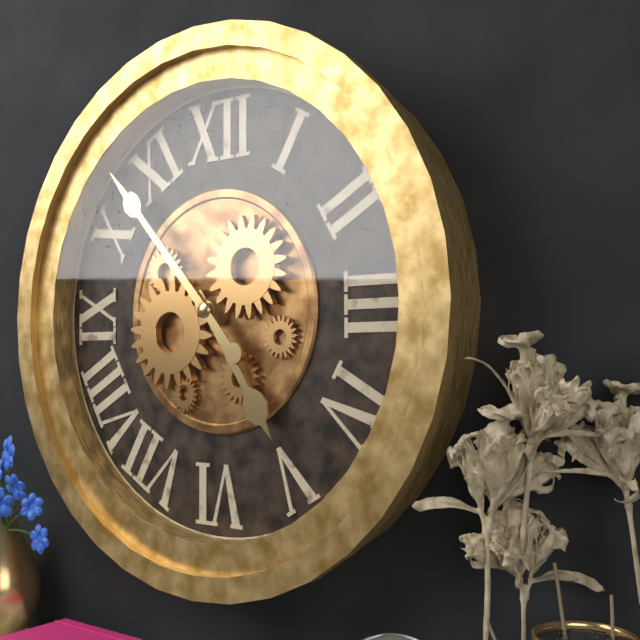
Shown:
4h53
